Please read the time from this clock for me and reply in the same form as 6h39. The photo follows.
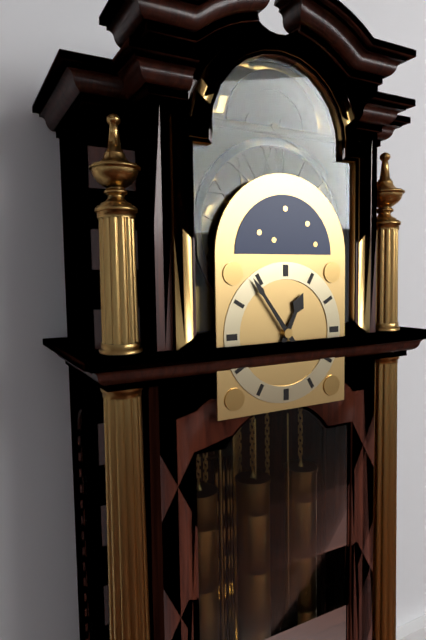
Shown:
12h54
